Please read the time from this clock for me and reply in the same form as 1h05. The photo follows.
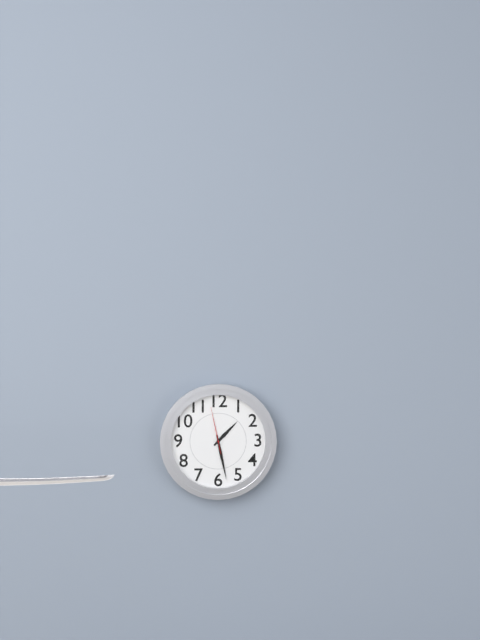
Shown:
1h28
